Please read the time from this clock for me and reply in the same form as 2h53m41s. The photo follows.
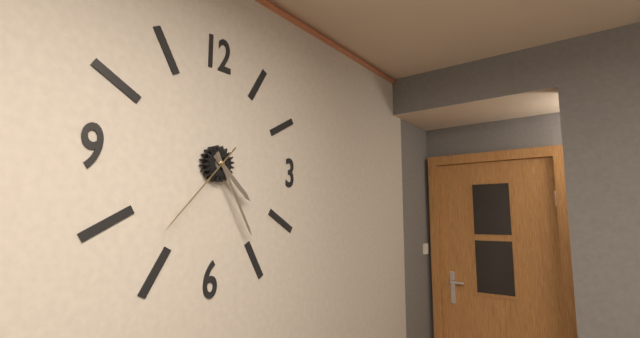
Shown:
4h25m37s
